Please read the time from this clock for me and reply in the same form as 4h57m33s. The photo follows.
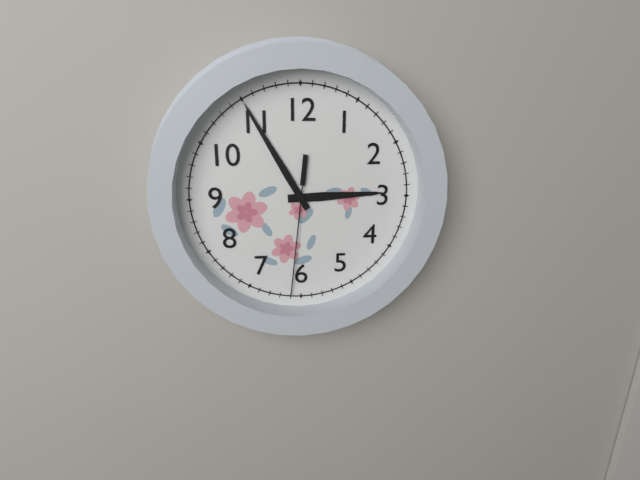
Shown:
2h55m31s
